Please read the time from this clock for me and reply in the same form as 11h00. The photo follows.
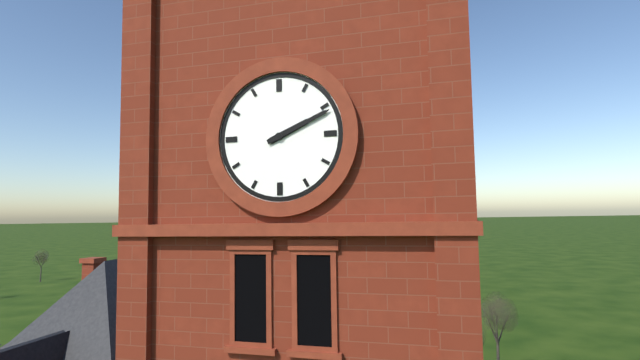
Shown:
2h11
